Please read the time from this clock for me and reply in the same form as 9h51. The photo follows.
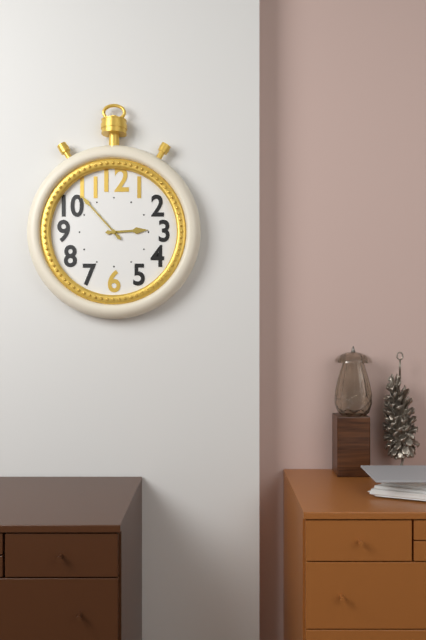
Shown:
2h53
